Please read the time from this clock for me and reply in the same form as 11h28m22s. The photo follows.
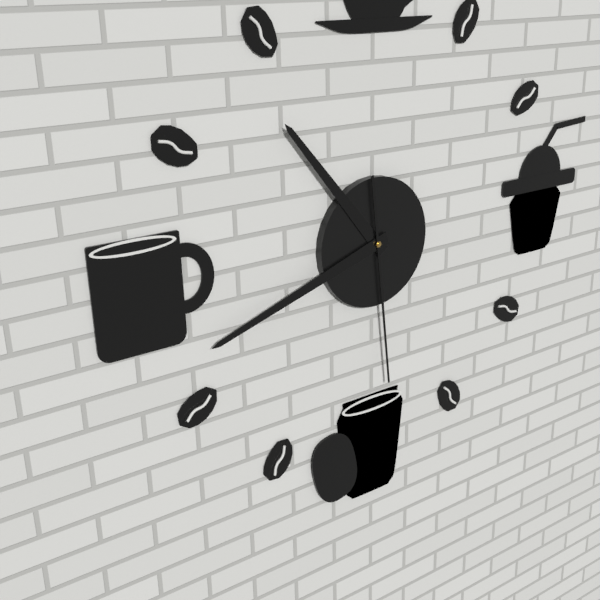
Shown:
10h42m29s
